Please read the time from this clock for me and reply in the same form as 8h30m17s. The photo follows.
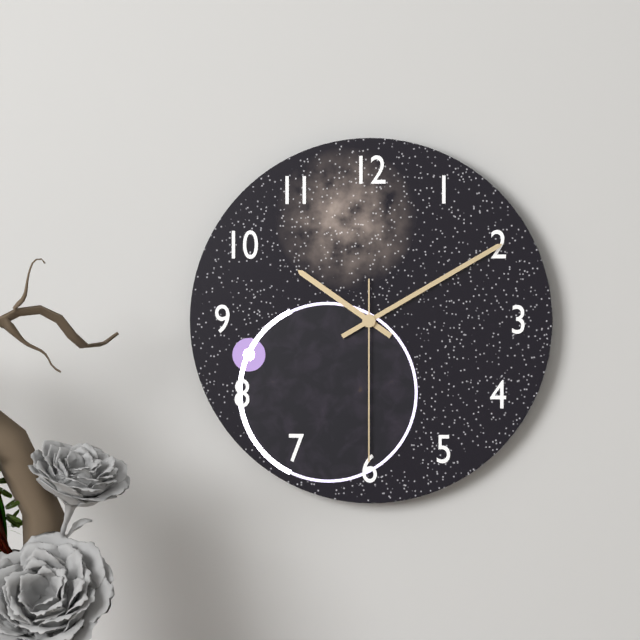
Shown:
10h10m30s
